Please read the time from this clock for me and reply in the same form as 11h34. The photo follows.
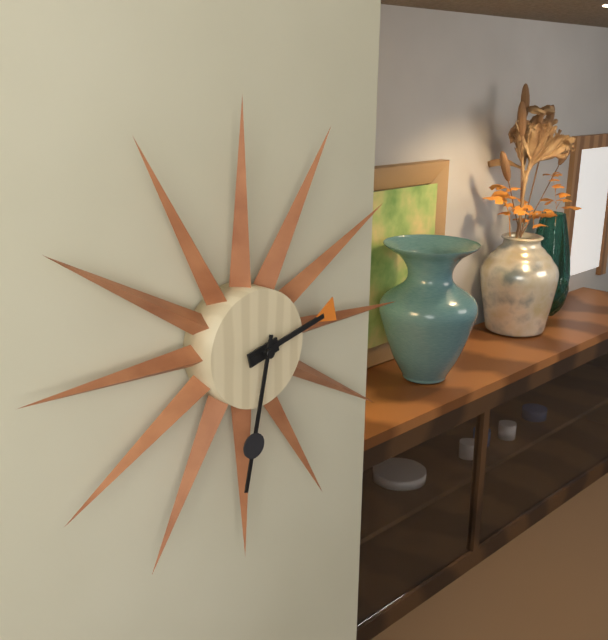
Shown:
2h32
